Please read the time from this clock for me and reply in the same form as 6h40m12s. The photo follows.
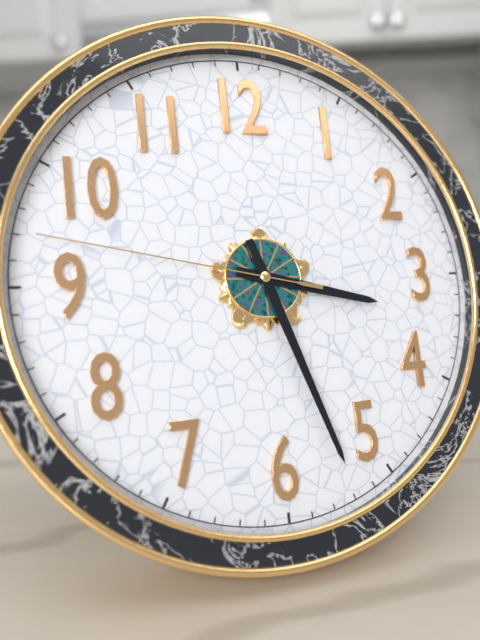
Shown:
3h27m47s
